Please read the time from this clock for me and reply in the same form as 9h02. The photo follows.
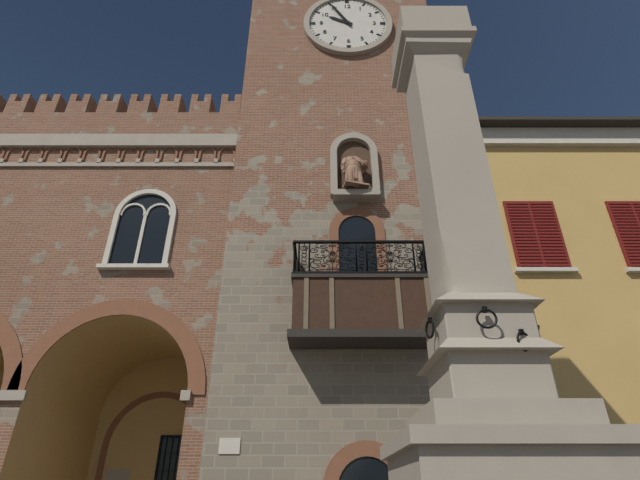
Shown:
9h55
